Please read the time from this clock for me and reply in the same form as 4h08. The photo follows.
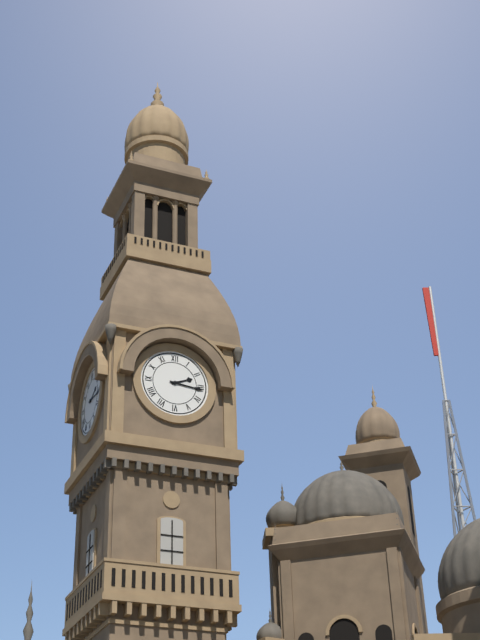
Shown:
2h16
